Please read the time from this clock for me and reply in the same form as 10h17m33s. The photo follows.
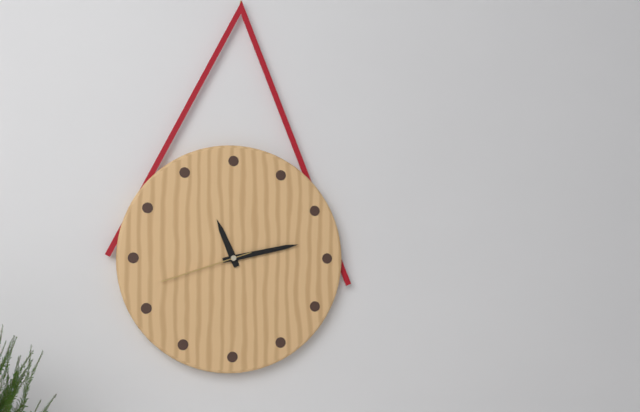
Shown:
11h13m42s
